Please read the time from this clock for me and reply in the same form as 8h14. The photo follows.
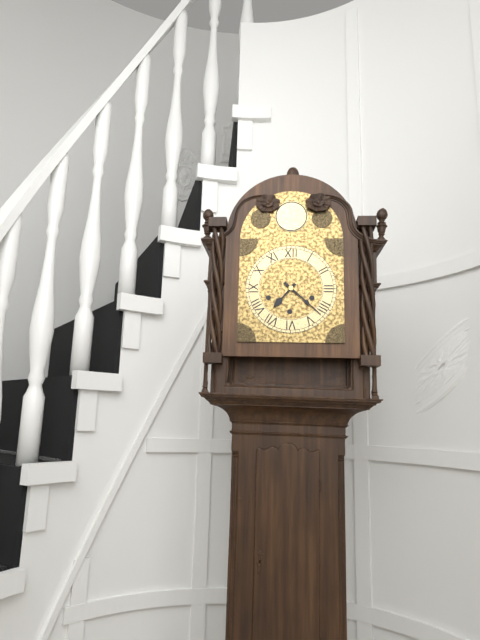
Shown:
7h22
